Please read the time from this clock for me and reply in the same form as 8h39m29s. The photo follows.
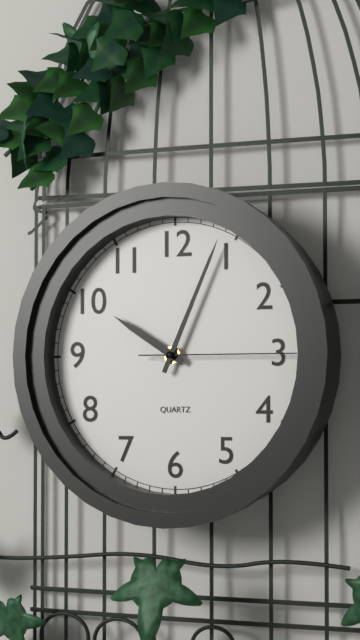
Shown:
10h04m15s
